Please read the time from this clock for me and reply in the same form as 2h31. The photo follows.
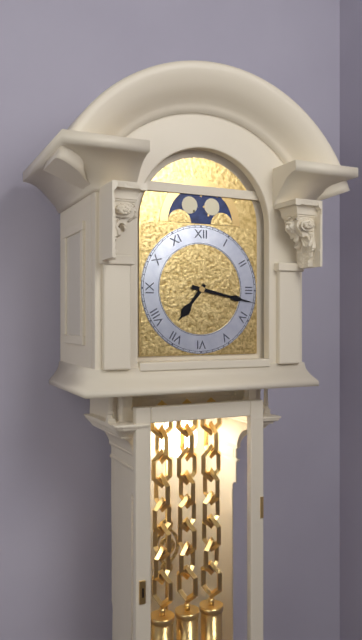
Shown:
7h17
